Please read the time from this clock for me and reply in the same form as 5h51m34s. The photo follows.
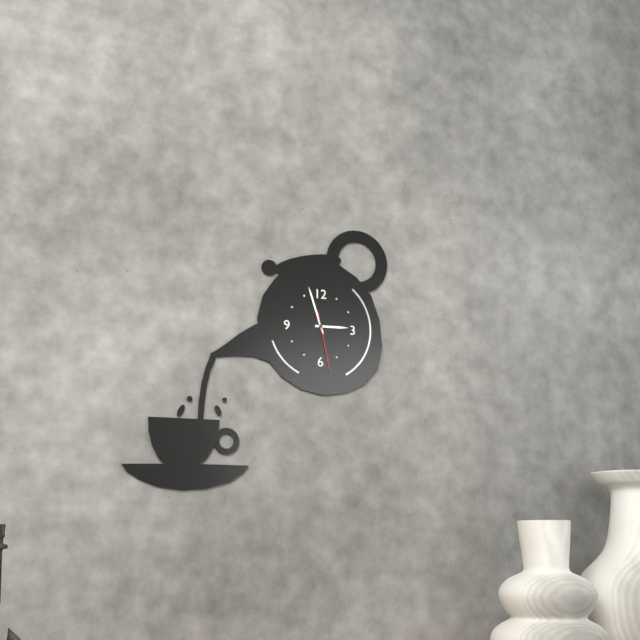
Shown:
2h57m28s
